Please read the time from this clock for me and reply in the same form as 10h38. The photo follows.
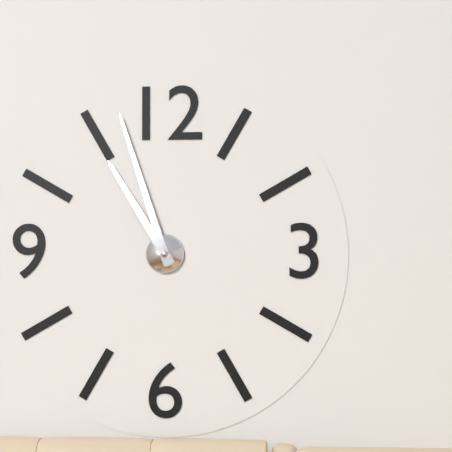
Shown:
10h57
